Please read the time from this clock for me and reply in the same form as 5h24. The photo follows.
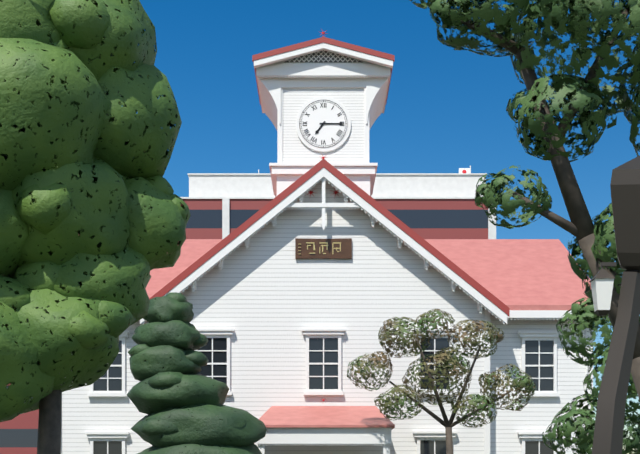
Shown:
7h15
